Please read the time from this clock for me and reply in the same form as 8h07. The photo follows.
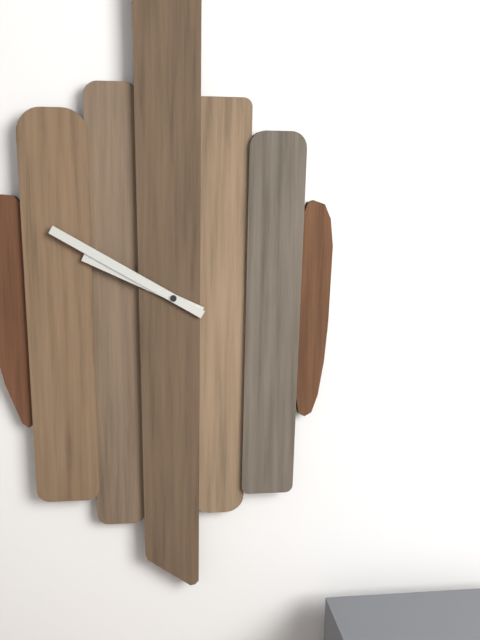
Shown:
9h50
